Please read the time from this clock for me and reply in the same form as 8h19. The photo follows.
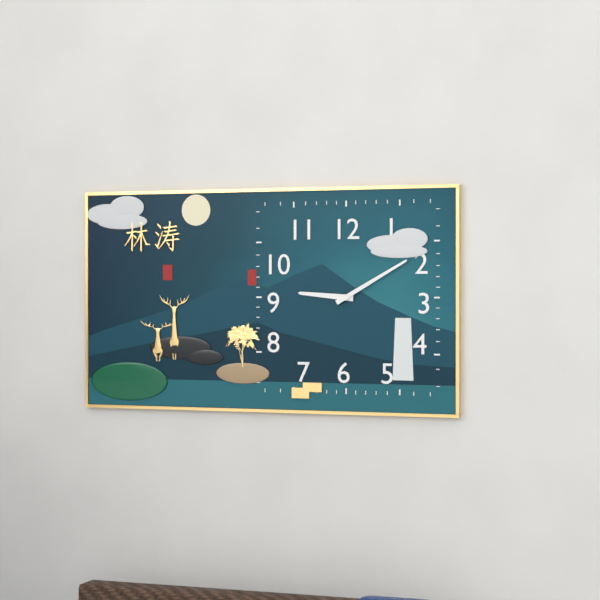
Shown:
9h10
